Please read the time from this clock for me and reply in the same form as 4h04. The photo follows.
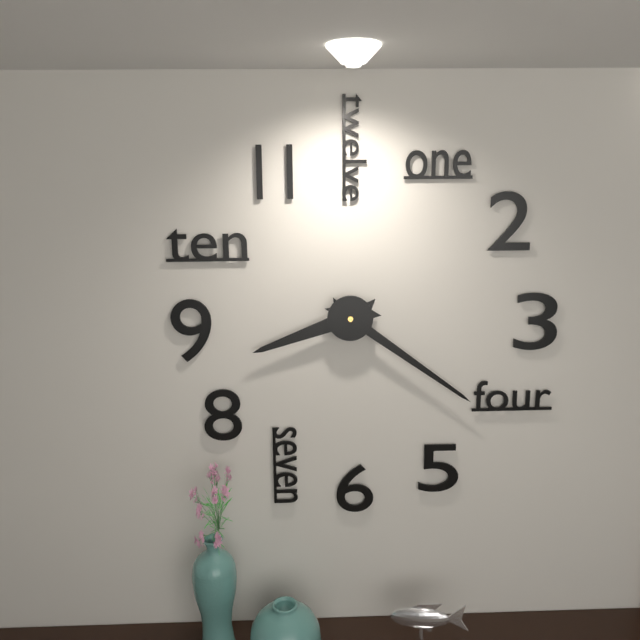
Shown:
8h21
